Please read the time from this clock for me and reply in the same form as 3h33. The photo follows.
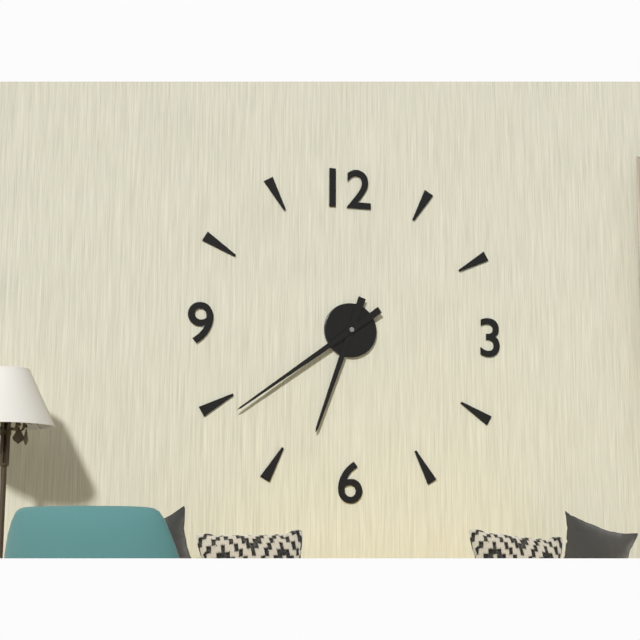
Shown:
6h39
